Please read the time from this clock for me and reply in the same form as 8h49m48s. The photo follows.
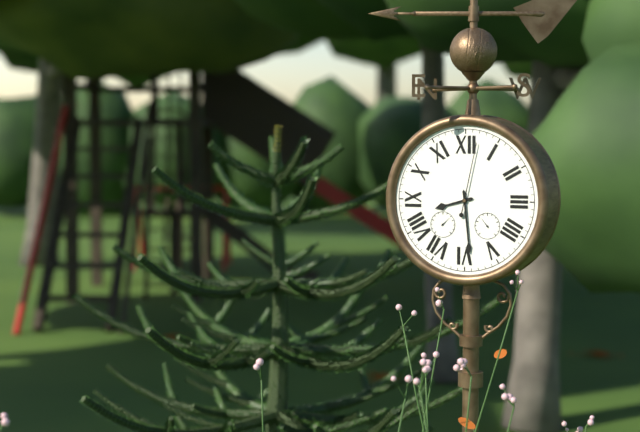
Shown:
8h29m02s
